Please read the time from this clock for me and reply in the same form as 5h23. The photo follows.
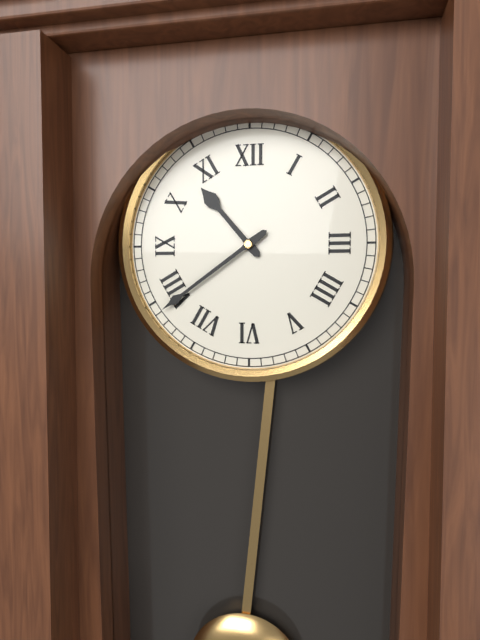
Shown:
10h39
